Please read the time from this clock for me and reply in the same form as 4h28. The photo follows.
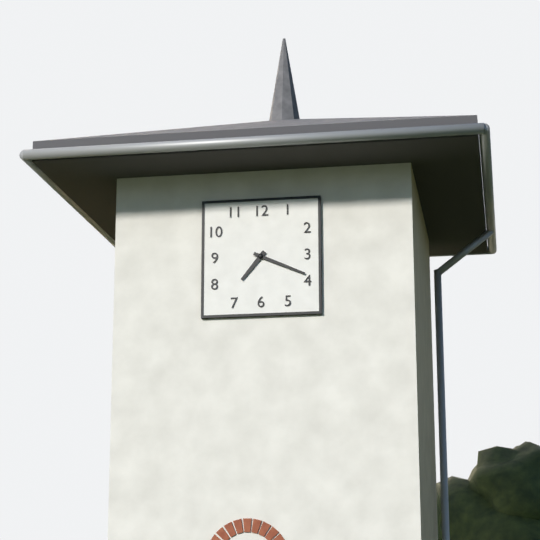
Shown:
7h19
